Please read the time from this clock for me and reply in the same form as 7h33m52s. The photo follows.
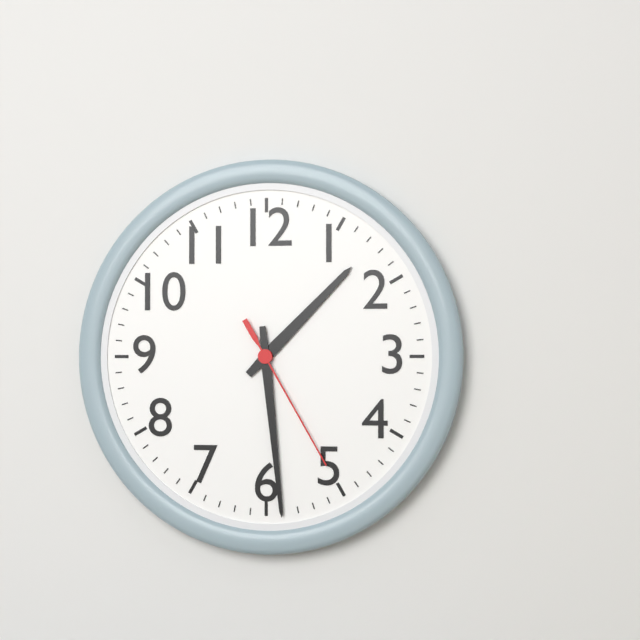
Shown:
1h29m25s
